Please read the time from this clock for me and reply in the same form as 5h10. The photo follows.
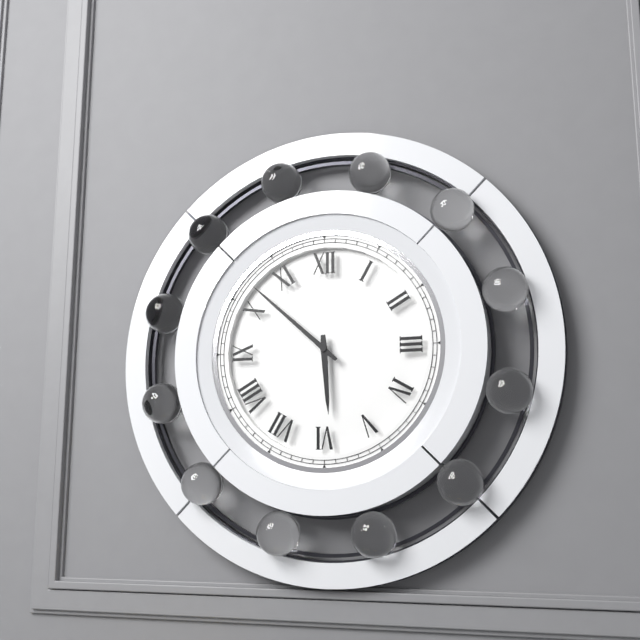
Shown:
5h52
